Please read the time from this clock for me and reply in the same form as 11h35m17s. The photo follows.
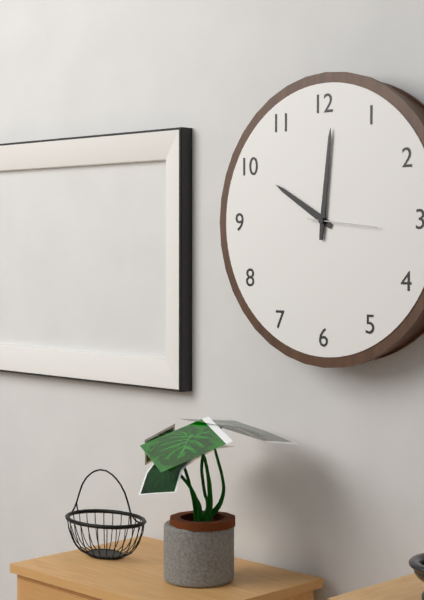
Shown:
10h01m16s
